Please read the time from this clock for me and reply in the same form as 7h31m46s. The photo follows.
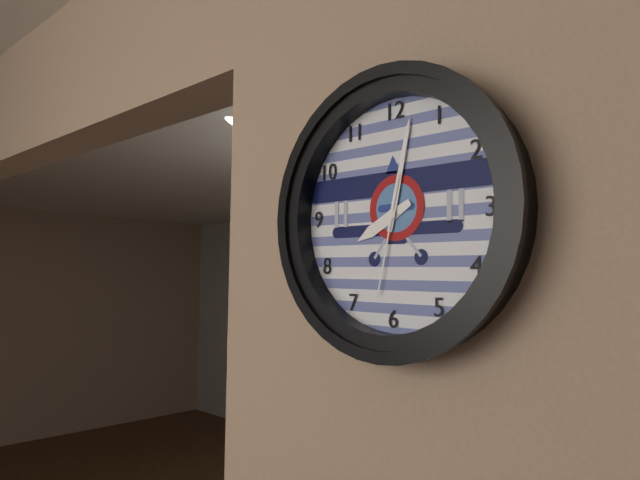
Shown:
8h02m32s
